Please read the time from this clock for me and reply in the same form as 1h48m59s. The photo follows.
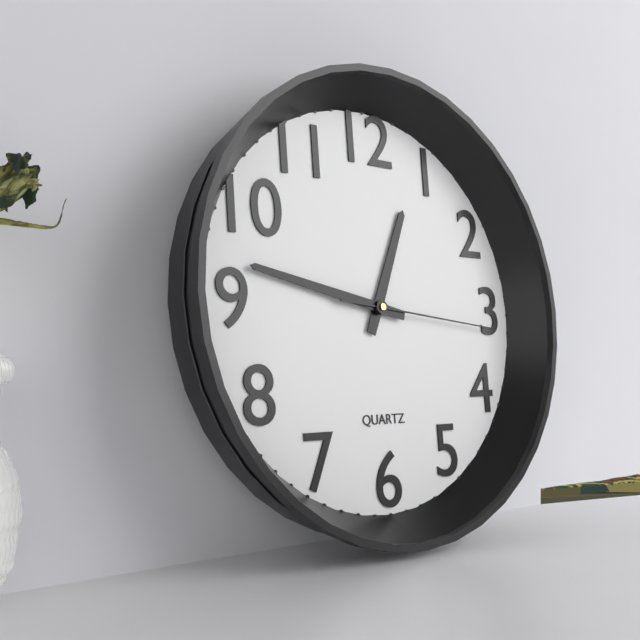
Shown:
12h47m16s
